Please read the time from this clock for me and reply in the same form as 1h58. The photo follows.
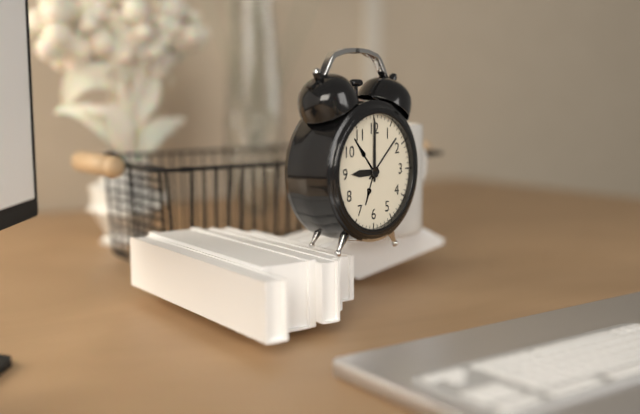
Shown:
9h00
